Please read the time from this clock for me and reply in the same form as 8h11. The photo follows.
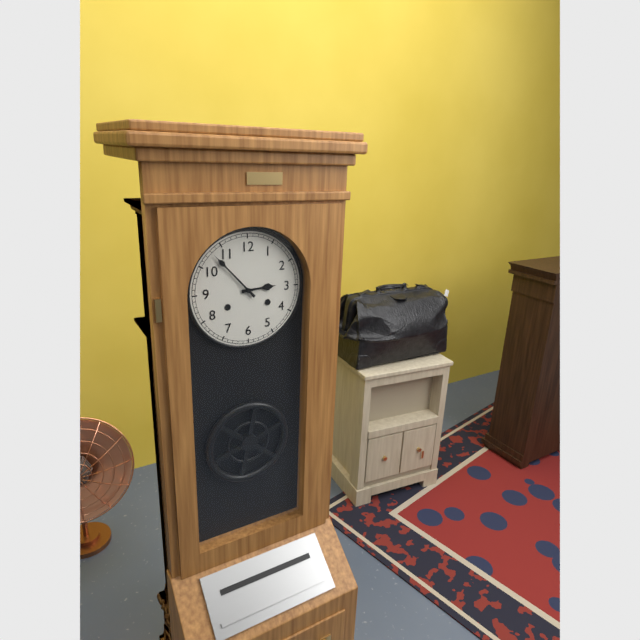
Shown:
2h53
